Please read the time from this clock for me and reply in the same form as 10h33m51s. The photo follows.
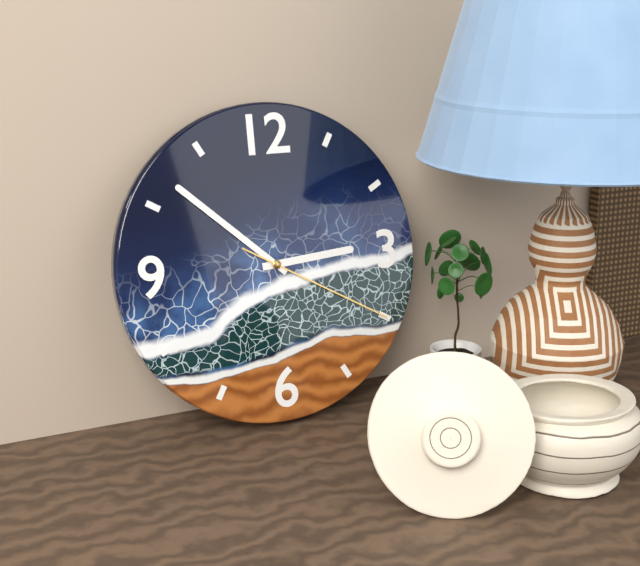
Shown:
2h52m20s
